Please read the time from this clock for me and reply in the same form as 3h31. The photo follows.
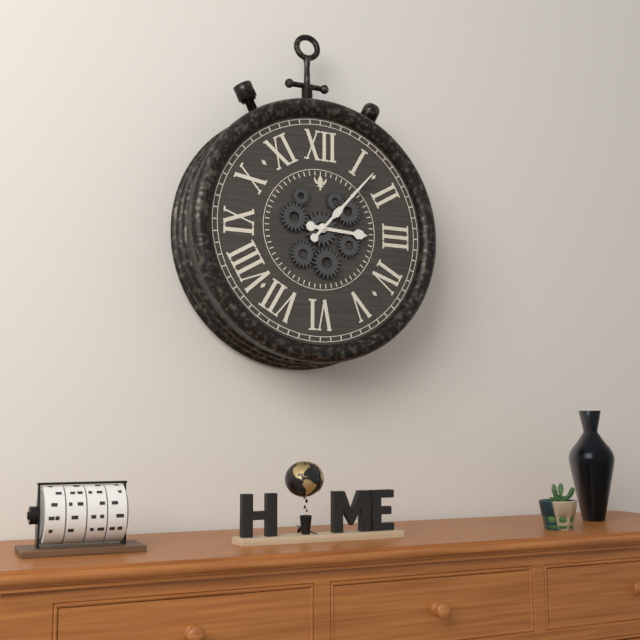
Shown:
3h07
